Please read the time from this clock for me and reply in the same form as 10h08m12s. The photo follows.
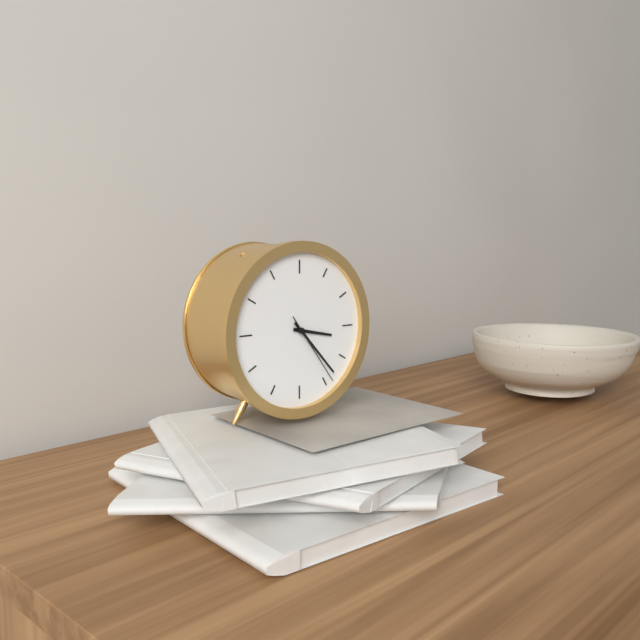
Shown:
3h23m24s
